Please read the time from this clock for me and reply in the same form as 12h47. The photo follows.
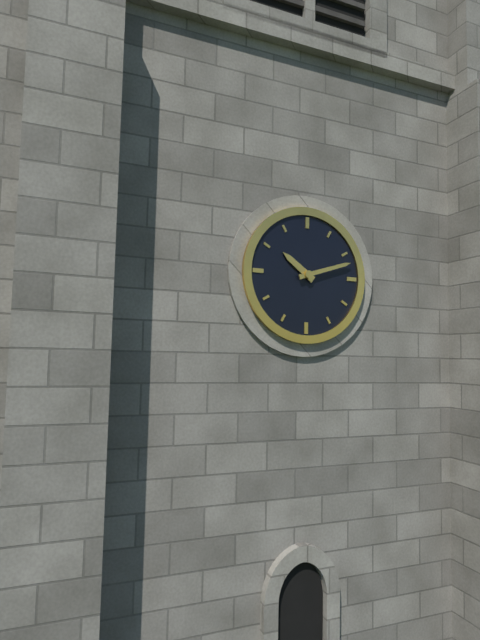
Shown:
10h12
